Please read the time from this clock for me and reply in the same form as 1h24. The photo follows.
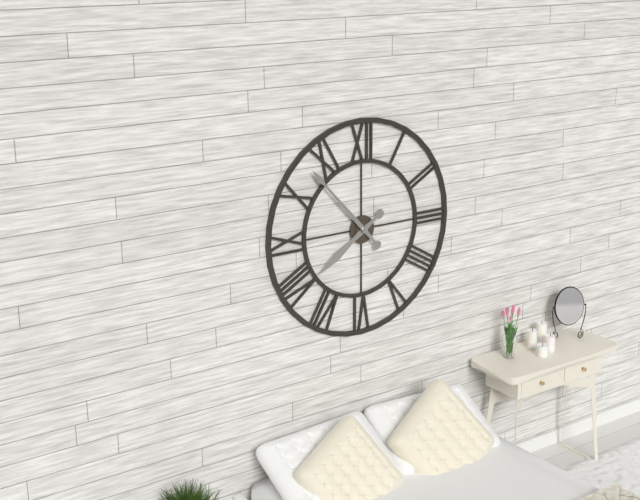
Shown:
7h53
